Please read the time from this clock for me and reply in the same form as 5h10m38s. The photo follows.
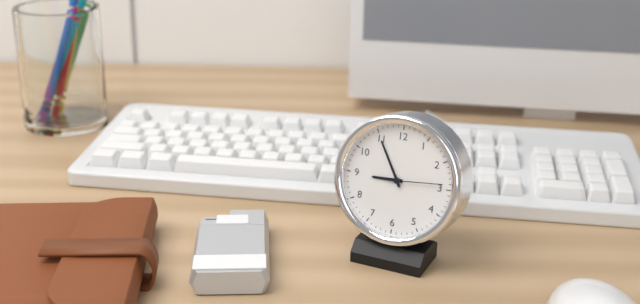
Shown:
8h55m14s
